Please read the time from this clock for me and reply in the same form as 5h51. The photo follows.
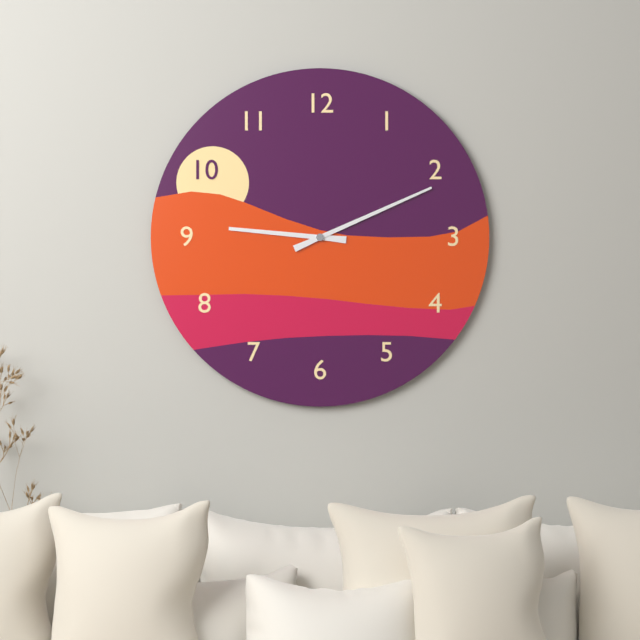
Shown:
9h11
